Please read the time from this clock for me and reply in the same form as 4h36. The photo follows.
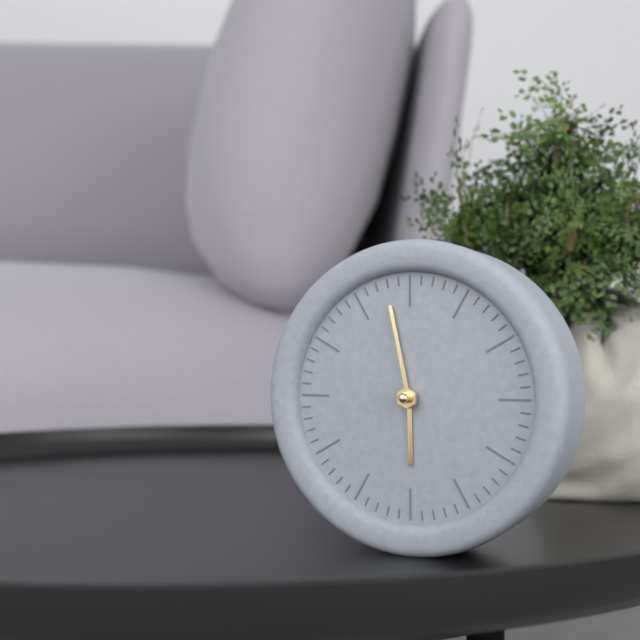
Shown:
5h58
